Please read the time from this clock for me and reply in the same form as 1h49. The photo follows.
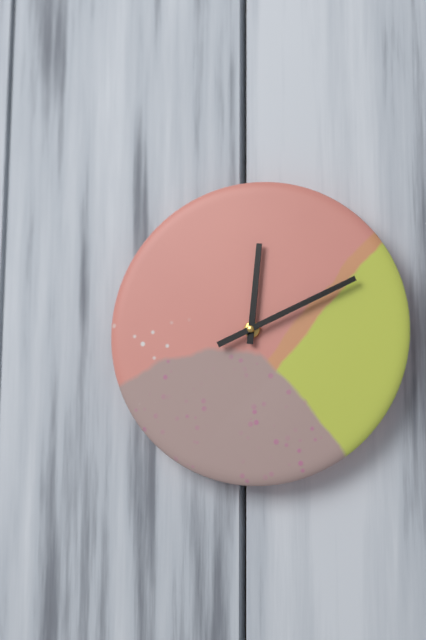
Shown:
12h11
